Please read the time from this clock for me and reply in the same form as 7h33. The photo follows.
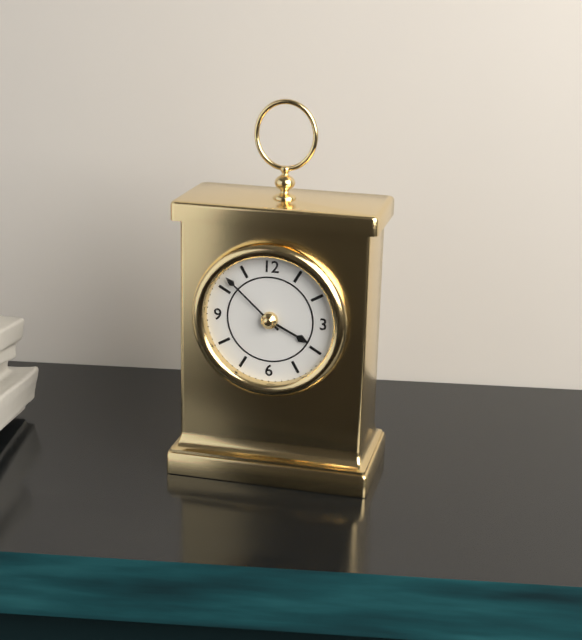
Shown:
3h52
